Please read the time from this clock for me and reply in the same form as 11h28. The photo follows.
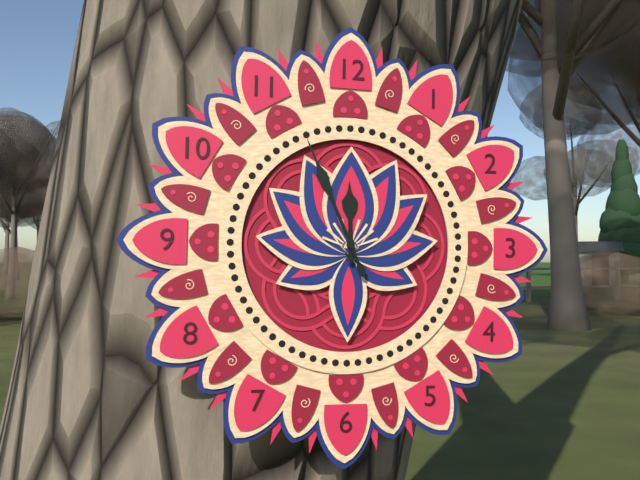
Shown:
11h56
